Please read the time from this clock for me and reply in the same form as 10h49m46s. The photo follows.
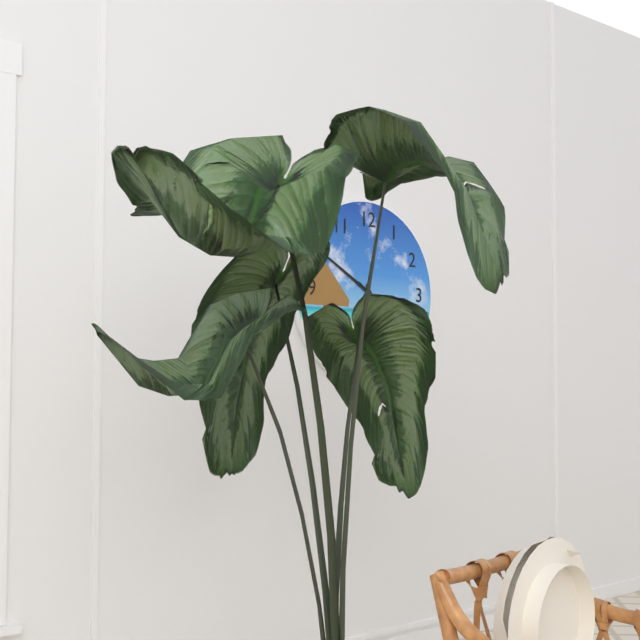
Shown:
5h50m21s
